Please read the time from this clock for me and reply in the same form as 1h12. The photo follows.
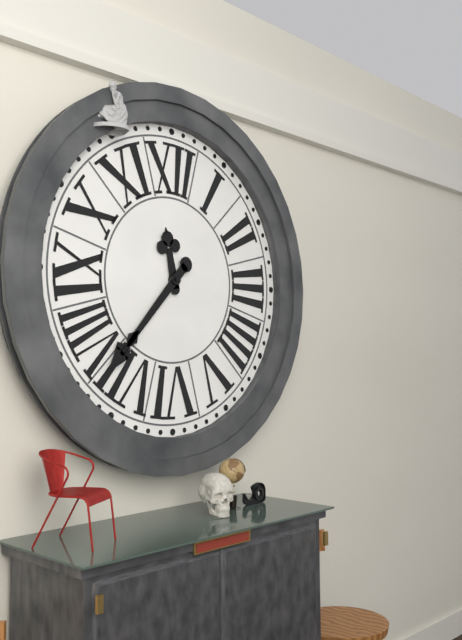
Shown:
11h37
